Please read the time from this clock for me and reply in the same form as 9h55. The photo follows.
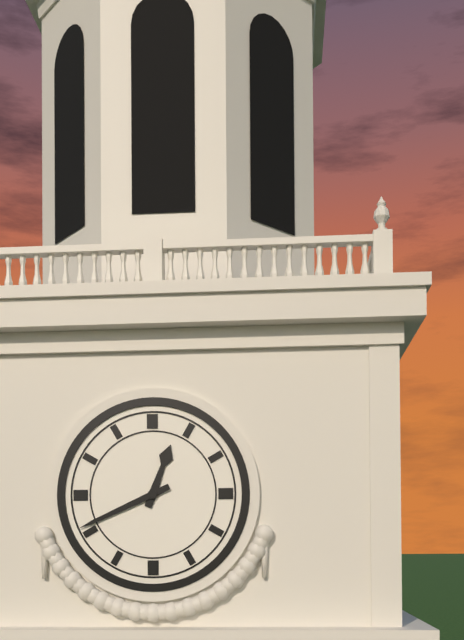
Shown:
12h41
